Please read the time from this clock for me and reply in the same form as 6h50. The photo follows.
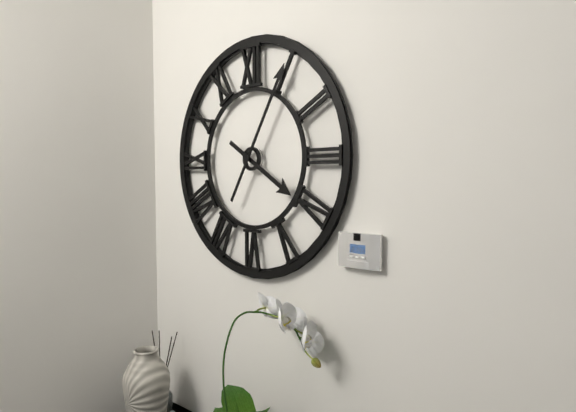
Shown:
4h05
